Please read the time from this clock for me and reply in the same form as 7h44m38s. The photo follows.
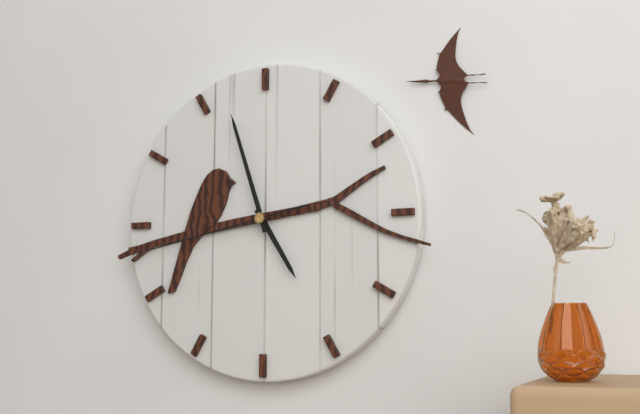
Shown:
4h57m43s
